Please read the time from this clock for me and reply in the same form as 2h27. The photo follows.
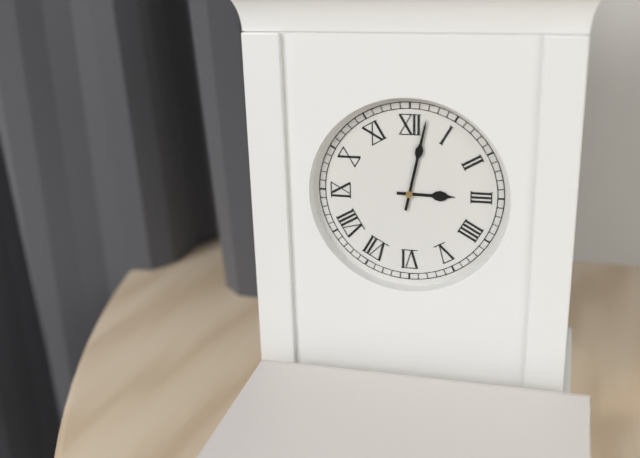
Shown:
3h02
